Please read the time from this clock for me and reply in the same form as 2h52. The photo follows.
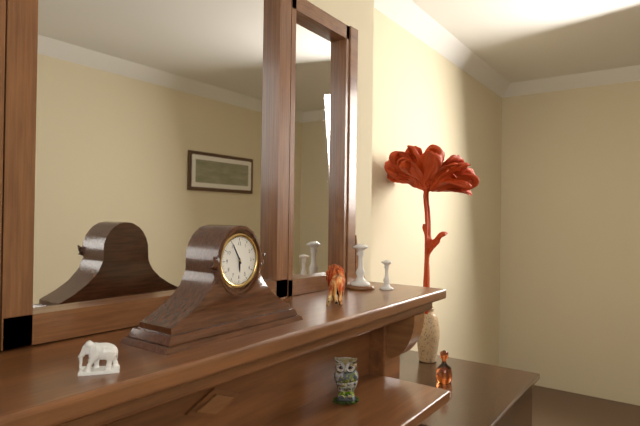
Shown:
5h55
